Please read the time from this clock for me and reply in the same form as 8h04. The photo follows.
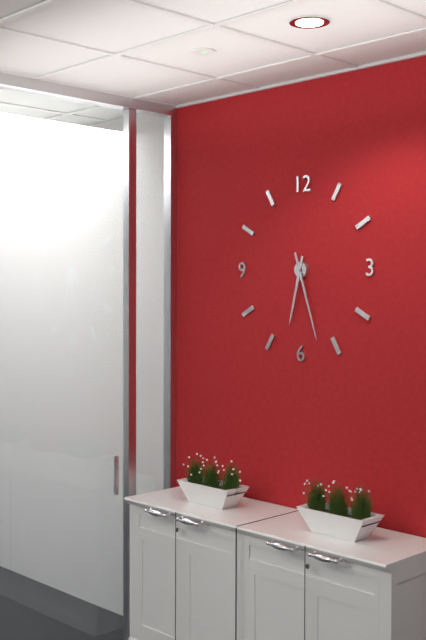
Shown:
6h27
